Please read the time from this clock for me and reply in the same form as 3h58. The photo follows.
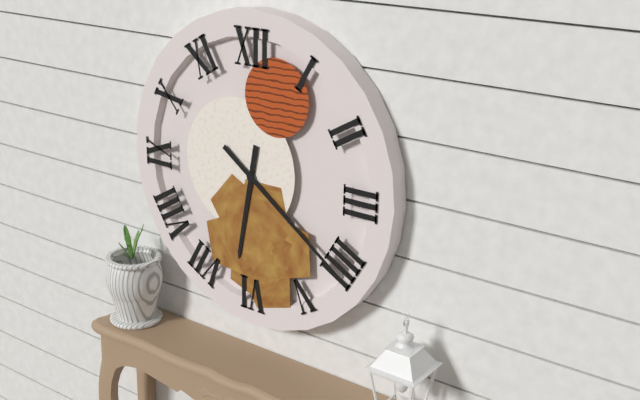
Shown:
6h21
